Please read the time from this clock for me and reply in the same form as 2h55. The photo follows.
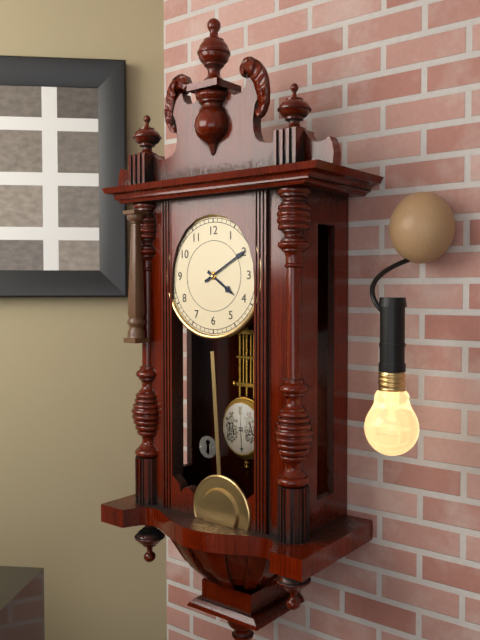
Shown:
4h10
